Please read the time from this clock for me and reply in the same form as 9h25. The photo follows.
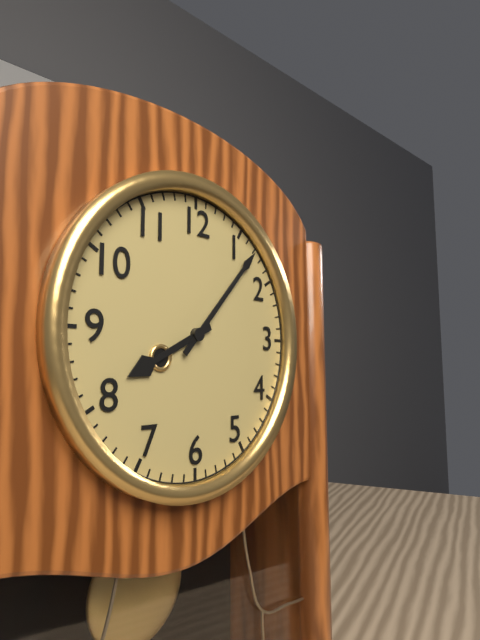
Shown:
8h07
